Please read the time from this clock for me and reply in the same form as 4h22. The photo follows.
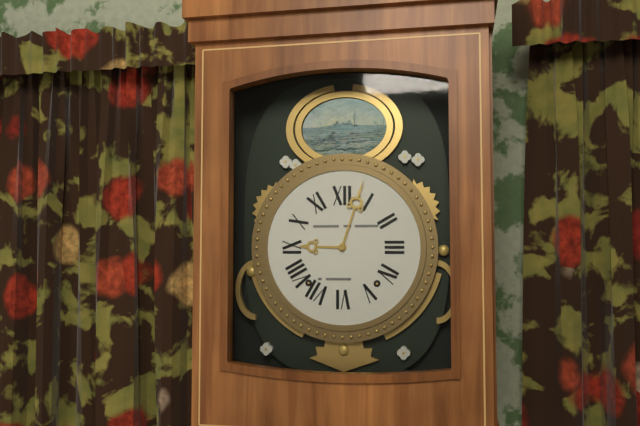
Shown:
9h03
